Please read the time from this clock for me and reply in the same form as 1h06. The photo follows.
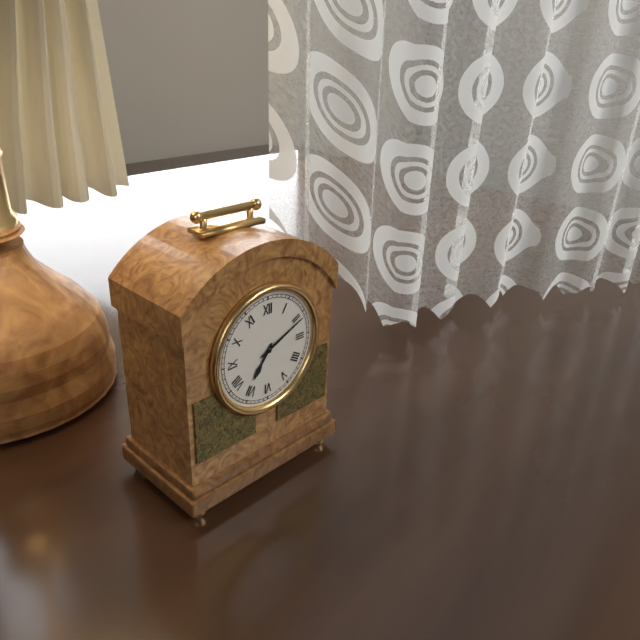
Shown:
7h11
